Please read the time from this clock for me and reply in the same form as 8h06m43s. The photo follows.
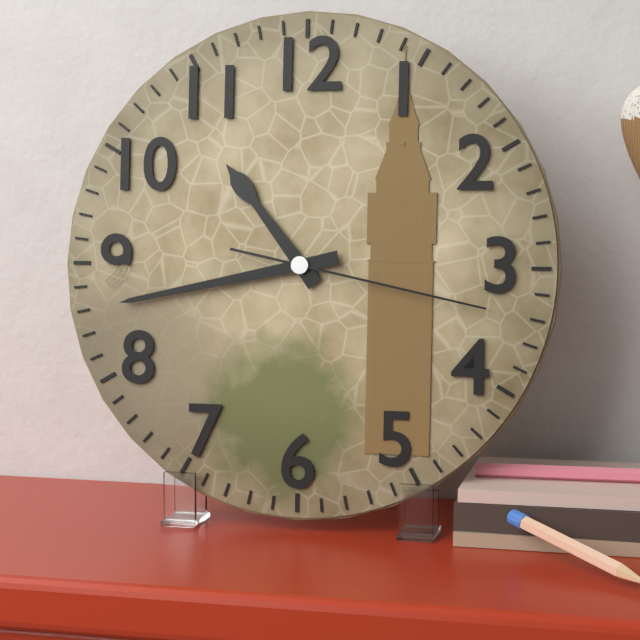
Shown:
10h43m17s
